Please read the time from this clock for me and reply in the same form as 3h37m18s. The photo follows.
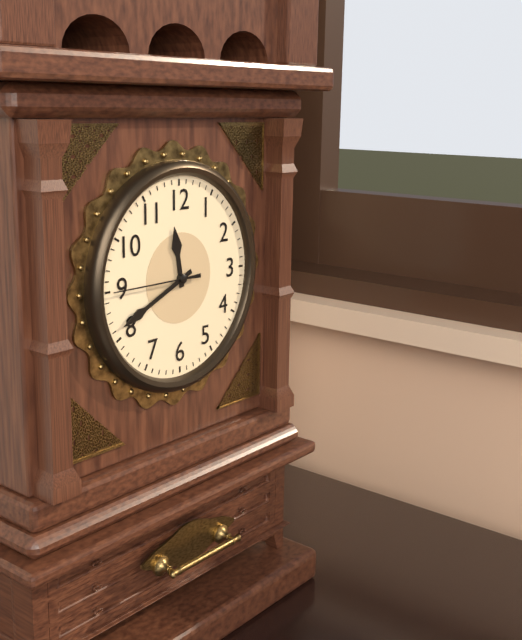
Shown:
11h41m45s
